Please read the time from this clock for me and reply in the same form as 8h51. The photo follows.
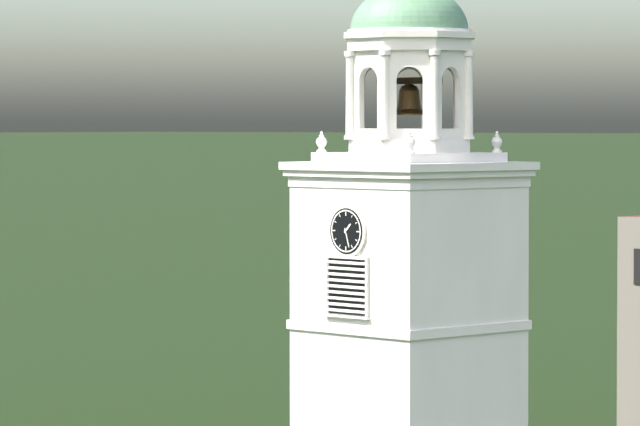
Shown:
1h27
